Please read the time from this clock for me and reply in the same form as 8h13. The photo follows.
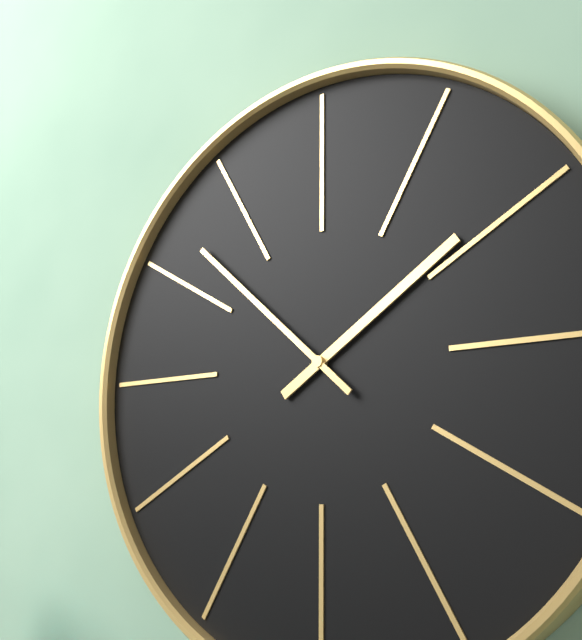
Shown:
1h52
